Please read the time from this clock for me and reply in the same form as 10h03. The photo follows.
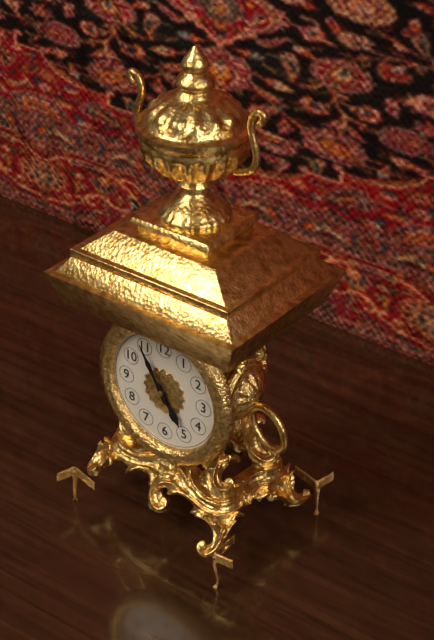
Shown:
4h55
